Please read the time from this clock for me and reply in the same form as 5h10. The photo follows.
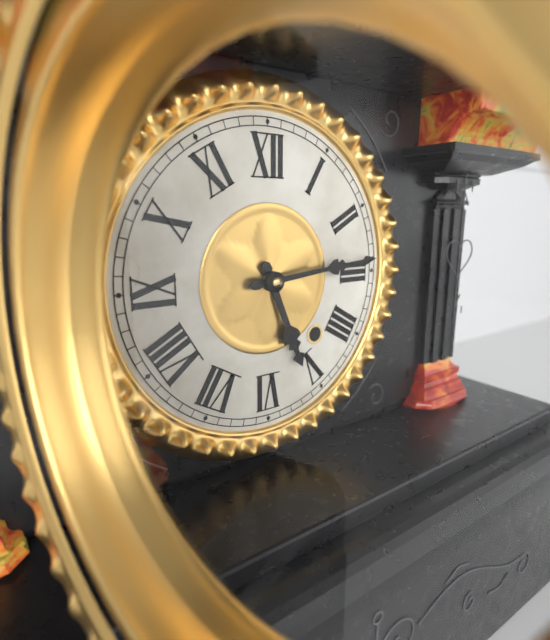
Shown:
5h14
